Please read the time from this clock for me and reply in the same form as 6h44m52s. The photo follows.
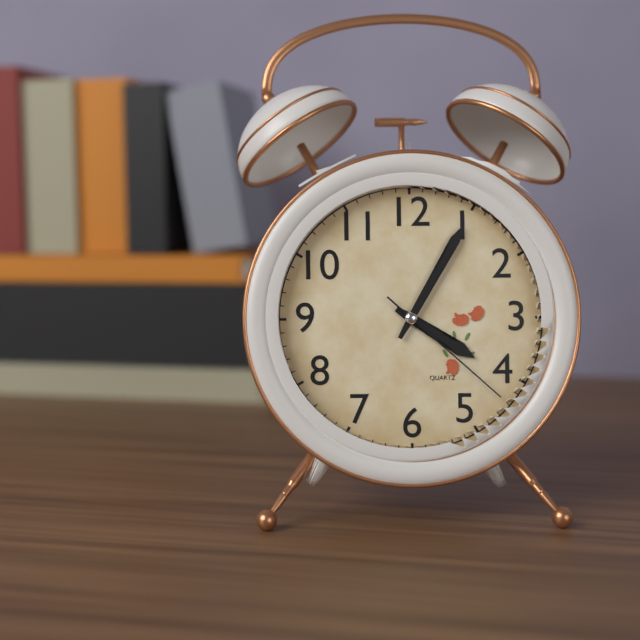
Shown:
4h05m22s
